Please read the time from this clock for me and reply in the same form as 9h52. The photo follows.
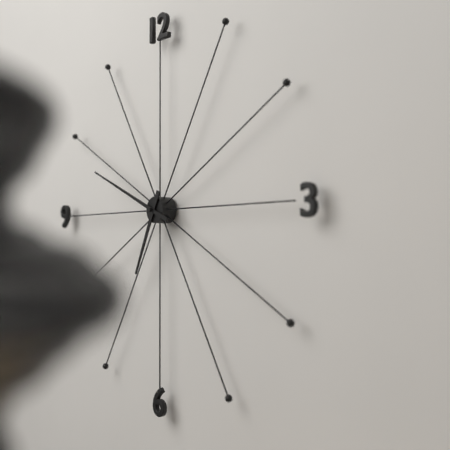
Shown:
6h49
